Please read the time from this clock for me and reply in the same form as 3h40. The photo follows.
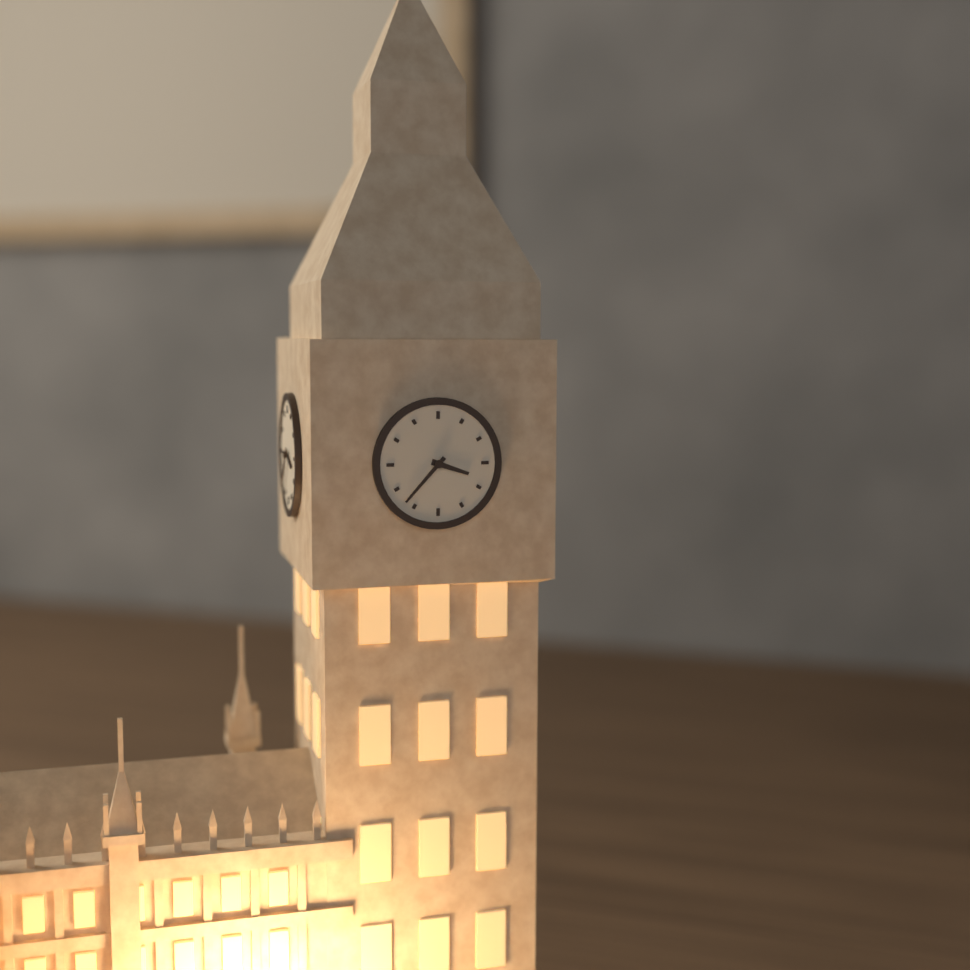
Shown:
3h37
